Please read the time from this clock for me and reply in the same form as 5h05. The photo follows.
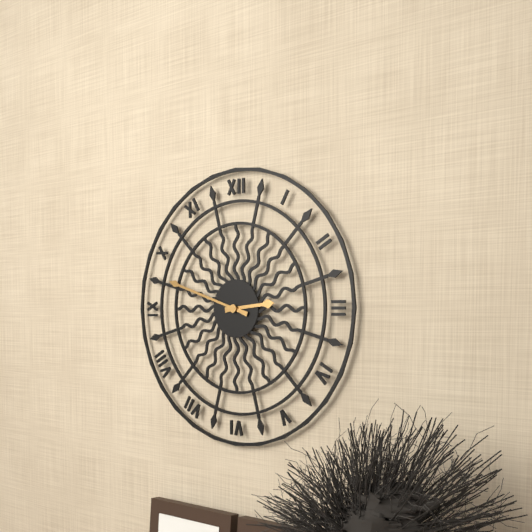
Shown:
2h48
